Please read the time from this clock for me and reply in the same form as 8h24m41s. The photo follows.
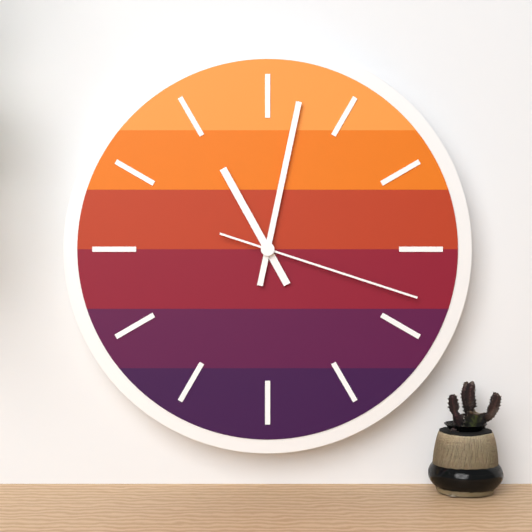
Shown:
11h02m18s
